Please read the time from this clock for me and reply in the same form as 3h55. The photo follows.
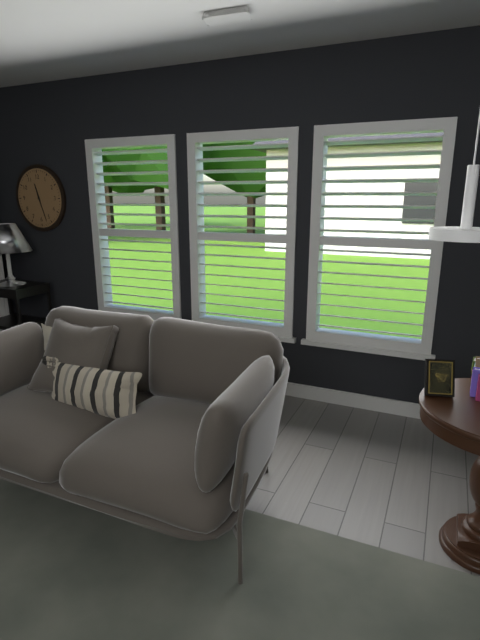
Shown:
11h27
